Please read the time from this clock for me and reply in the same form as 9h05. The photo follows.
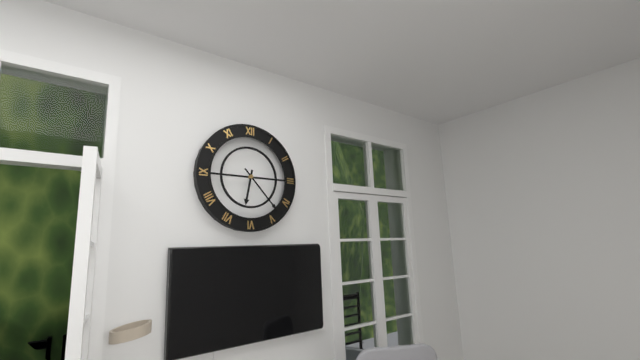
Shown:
6h23
